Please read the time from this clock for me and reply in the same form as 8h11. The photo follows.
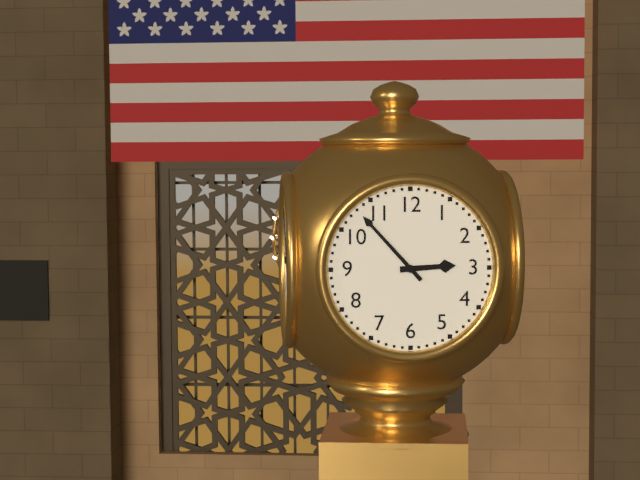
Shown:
2h53
